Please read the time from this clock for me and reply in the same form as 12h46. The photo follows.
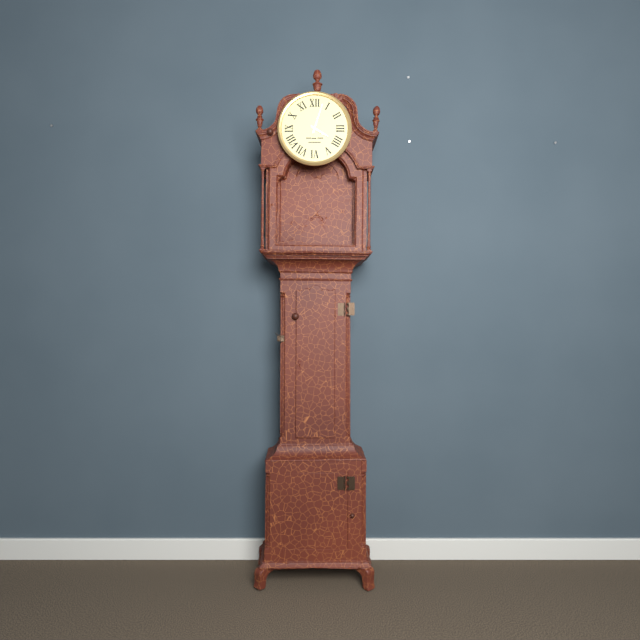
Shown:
4h03
